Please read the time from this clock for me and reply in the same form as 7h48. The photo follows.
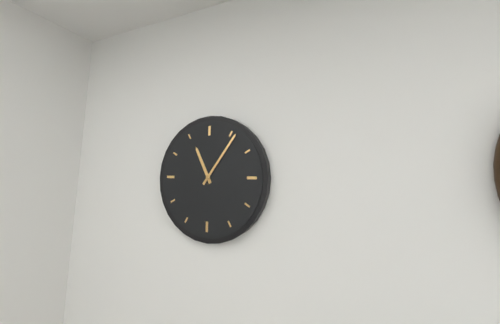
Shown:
11h06
